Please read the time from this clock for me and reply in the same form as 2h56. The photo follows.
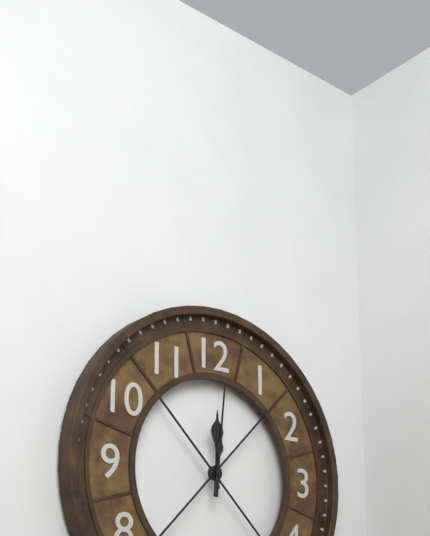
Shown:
12h01
